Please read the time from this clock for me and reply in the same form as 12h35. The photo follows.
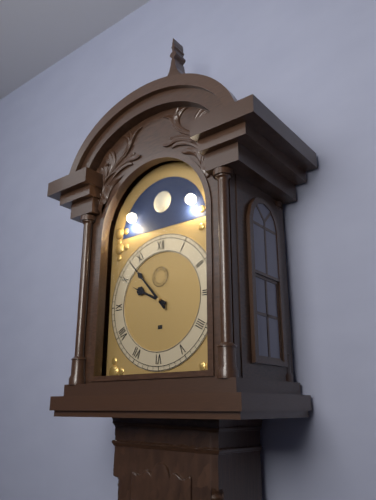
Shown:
9h53
